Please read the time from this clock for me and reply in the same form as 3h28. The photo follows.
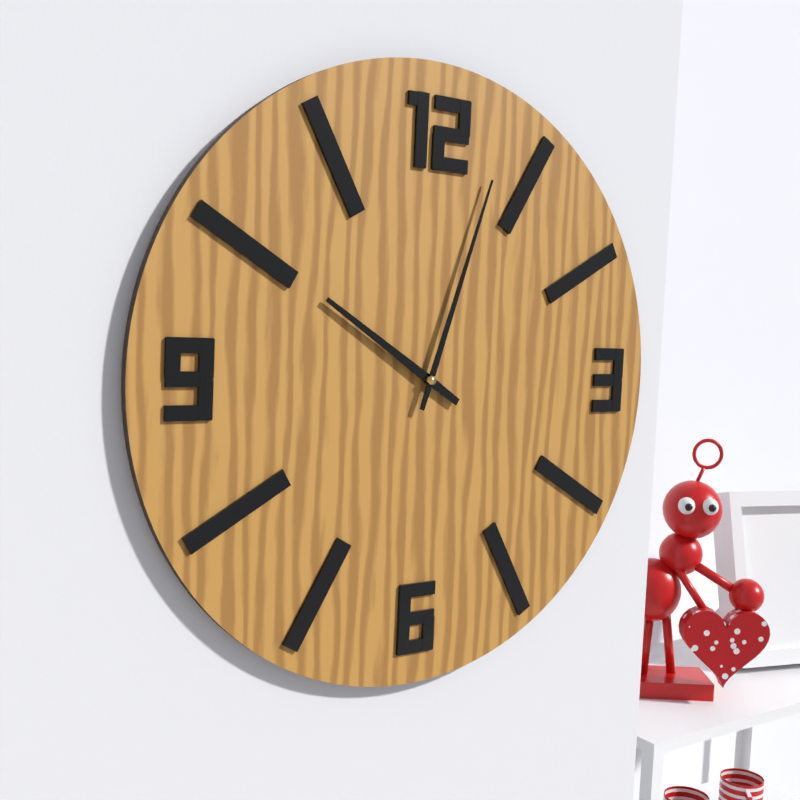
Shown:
10h03
